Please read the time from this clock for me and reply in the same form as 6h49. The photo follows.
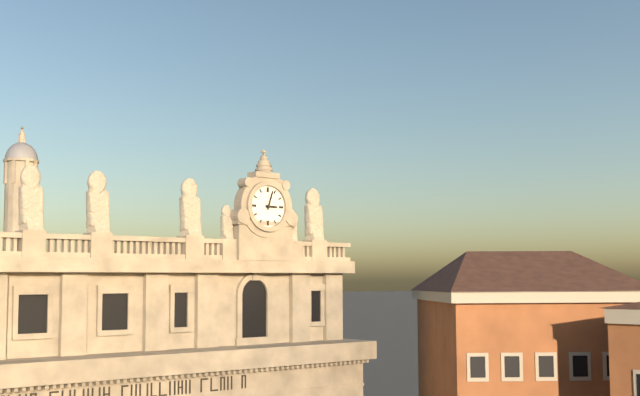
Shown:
3h03
